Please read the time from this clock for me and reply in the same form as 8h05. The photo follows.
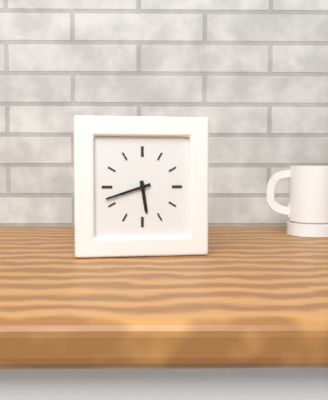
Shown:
5h42
